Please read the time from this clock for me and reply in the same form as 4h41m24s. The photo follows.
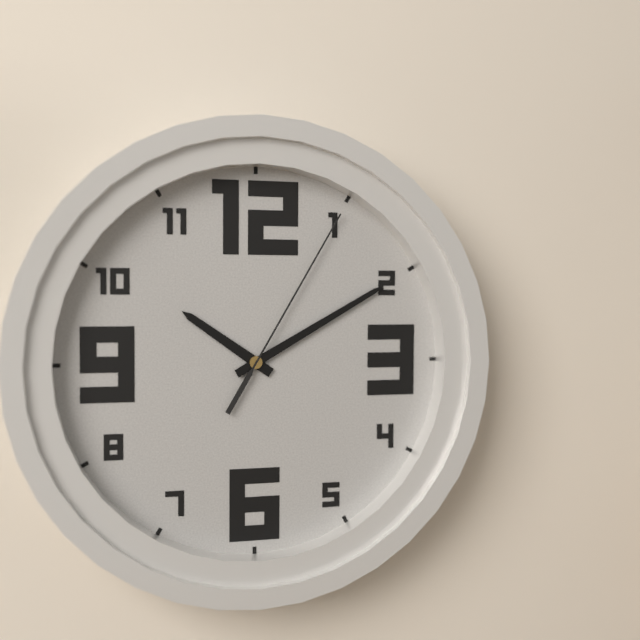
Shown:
10h10m05s
